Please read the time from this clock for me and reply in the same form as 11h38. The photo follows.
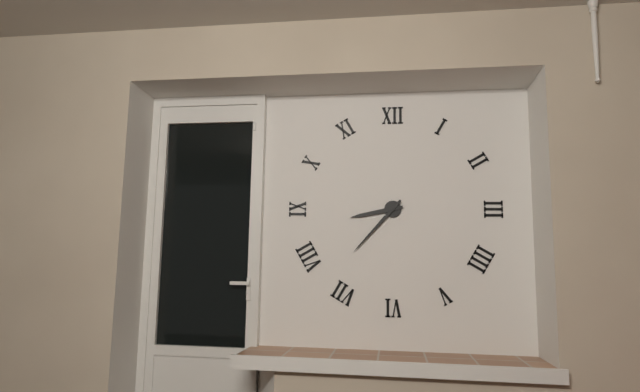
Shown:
8h37
